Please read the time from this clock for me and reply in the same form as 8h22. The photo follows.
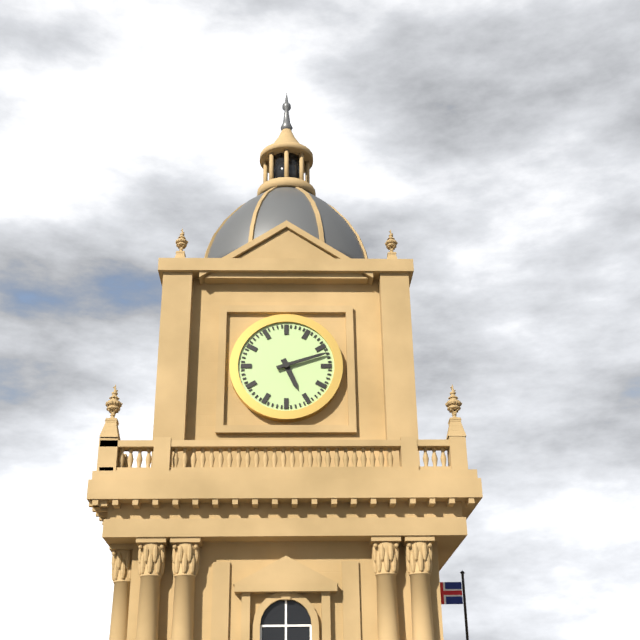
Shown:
5h12
